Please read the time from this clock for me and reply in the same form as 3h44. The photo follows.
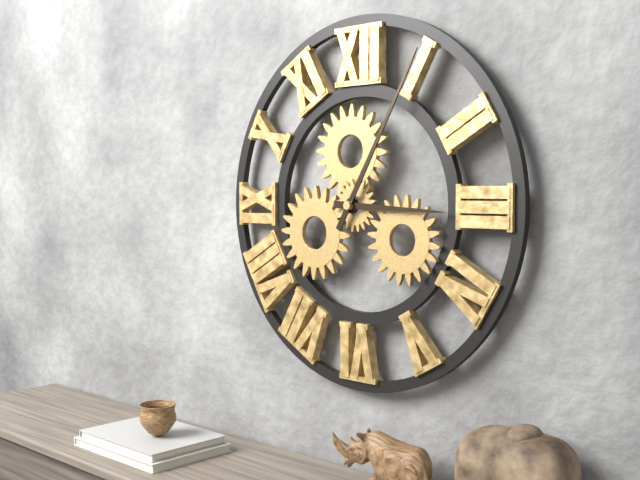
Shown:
3h05
